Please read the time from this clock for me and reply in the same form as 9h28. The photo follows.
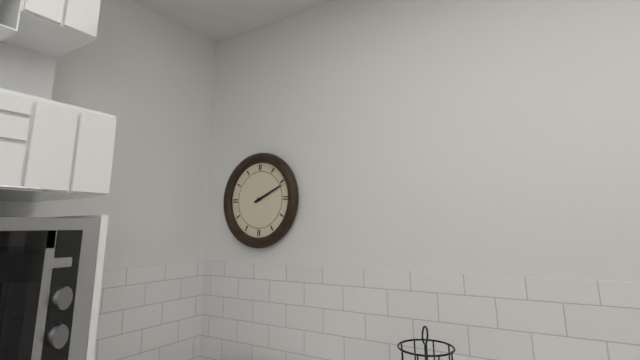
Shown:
2h11
